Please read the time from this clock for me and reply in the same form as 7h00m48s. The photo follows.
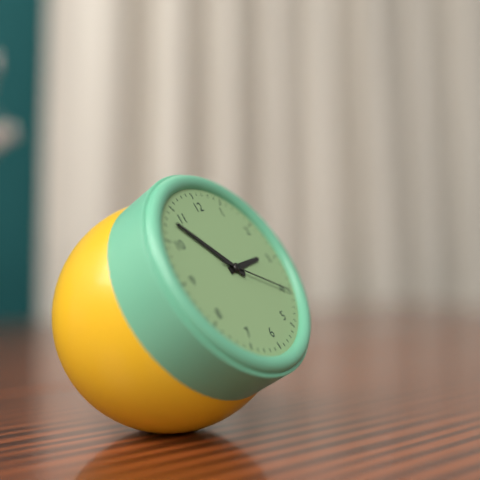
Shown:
2h53m20s
